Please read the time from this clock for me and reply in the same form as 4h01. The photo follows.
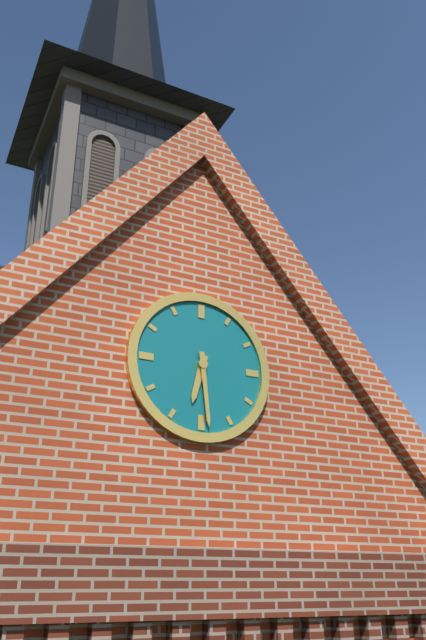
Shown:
6h29
